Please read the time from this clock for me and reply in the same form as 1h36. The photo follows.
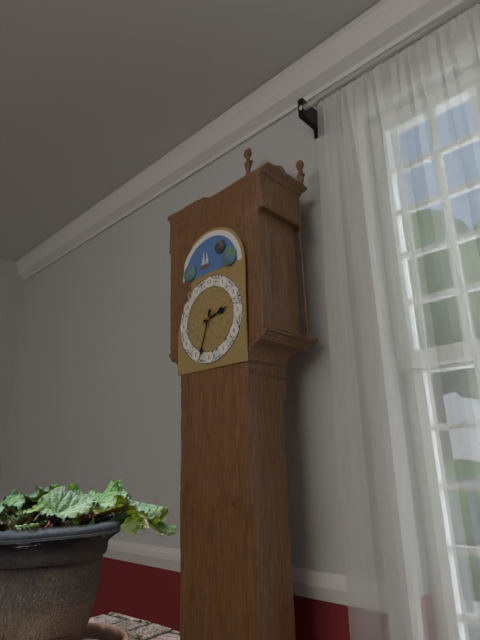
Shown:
2h33
